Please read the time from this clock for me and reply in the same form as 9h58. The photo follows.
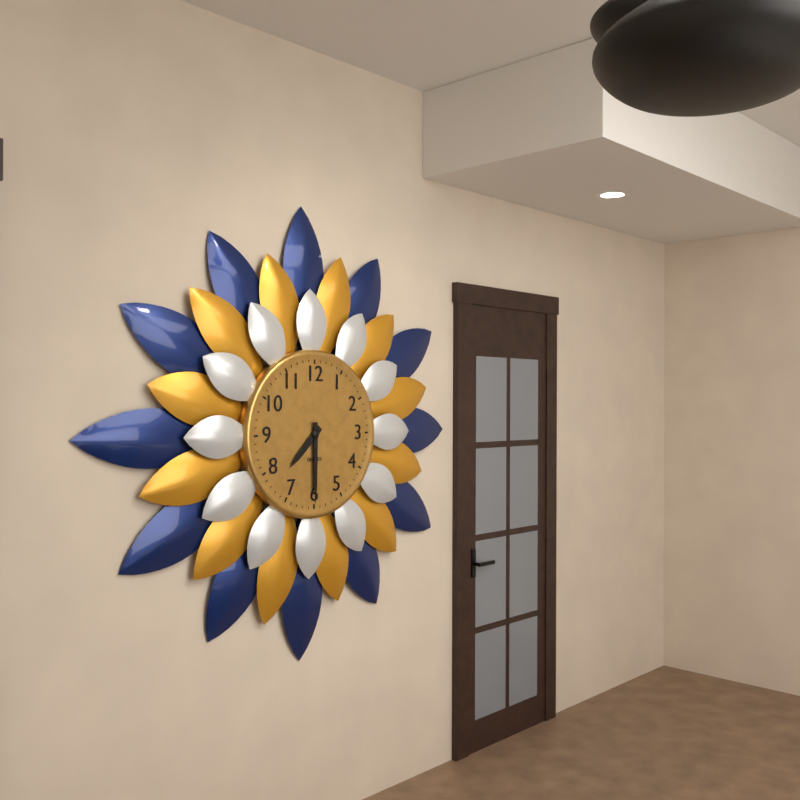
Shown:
7h30
